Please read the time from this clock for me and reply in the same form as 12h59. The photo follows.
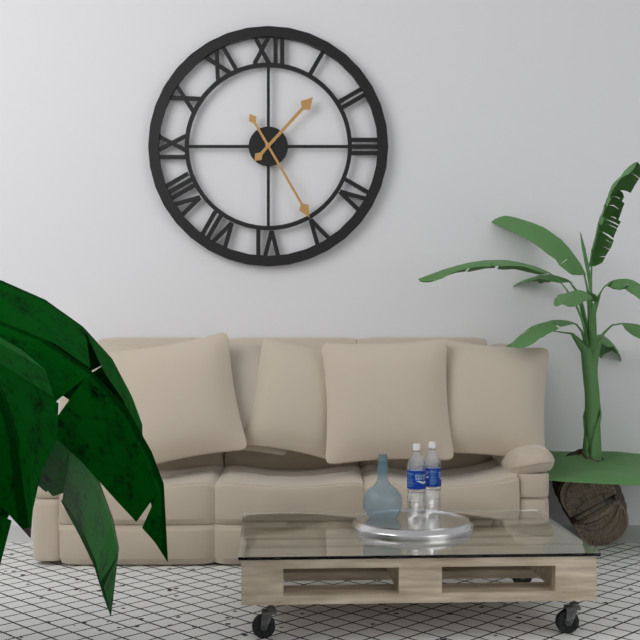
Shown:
1h25
